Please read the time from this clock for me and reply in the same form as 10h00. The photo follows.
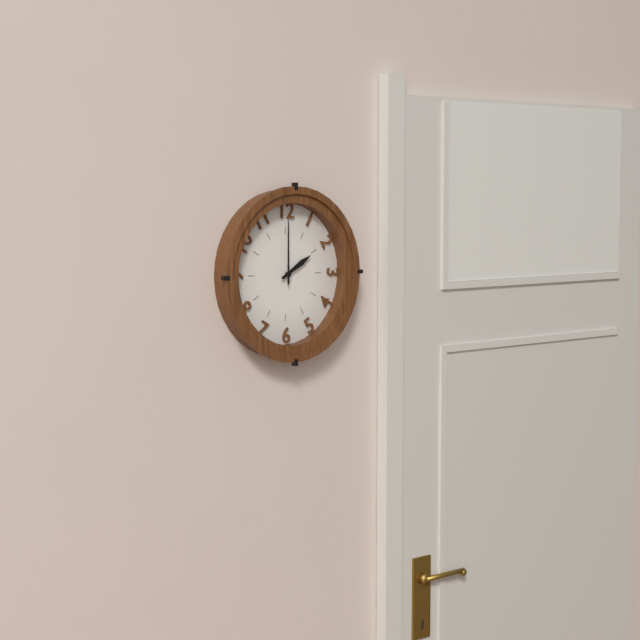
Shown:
2h00
